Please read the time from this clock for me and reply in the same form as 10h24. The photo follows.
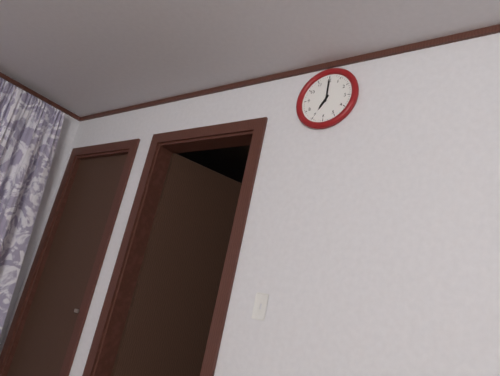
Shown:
7h00
